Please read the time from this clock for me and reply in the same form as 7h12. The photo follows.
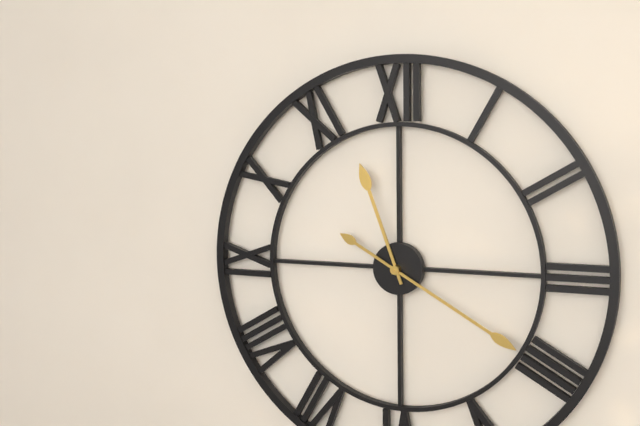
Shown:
11h20
